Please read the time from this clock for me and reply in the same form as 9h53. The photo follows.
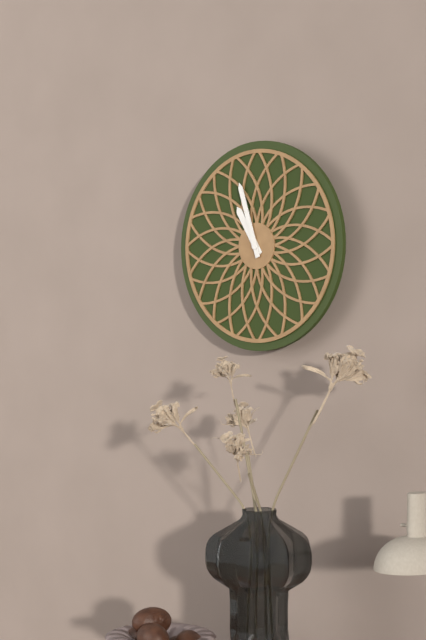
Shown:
10h57
